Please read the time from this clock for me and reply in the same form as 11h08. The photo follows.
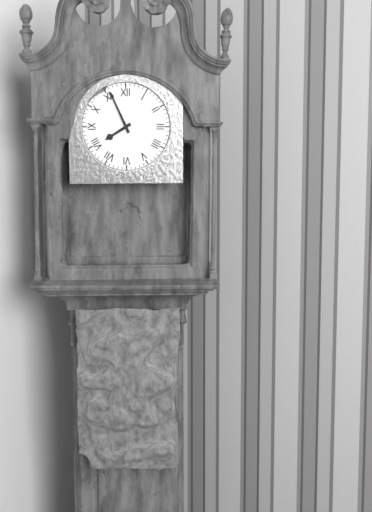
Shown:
7h56
